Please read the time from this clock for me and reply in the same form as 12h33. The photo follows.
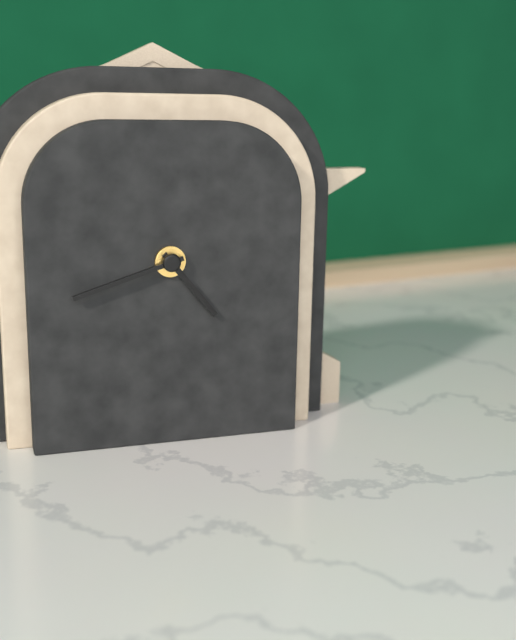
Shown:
4h42
